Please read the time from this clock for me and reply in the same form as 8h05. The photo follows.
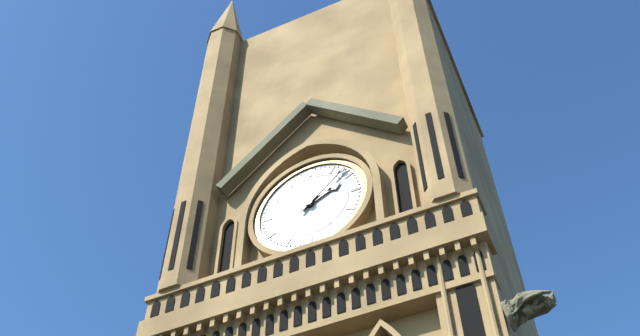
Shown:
2h08
